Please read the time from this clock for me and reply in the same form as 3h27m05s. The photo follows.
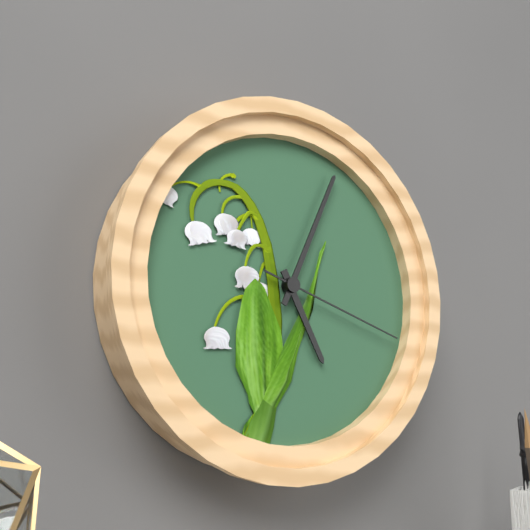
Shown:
5h04m18s
